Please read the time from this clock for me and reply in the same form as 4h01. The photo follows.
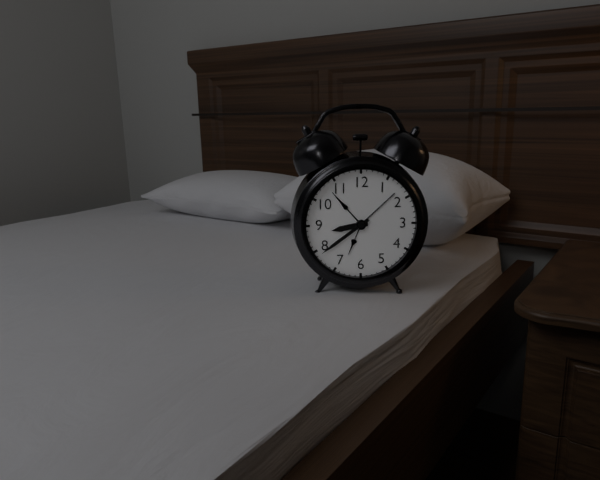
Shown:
8h39
